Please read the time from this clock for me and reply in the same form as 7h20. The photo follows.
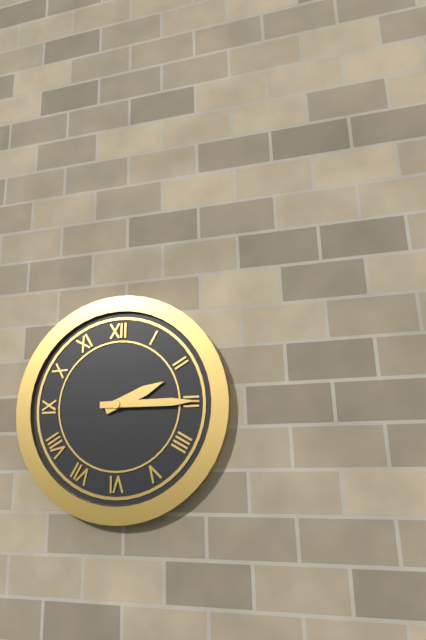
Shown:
2h15
